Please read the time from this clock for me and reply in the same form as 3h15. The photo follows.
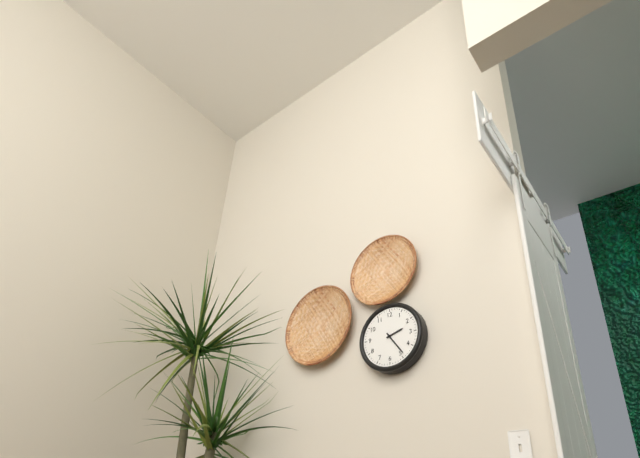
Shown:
2h24
